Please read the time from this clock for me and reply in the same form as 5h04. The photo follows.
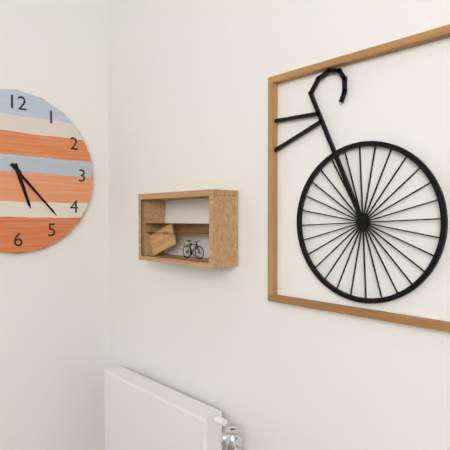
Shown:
5h23
